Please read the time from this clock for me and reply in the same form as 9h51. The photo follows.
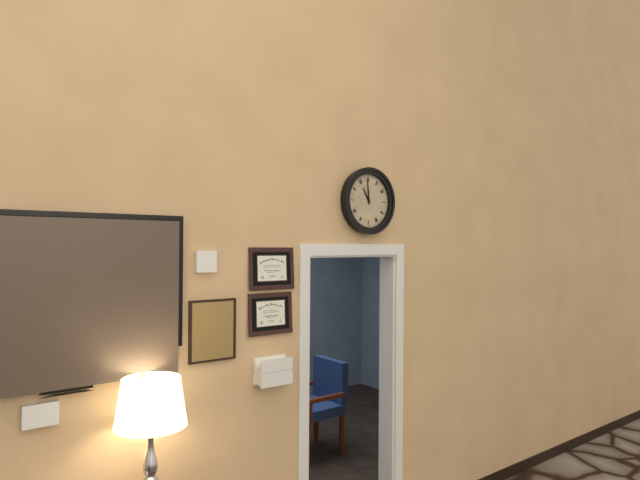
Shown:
10h59
